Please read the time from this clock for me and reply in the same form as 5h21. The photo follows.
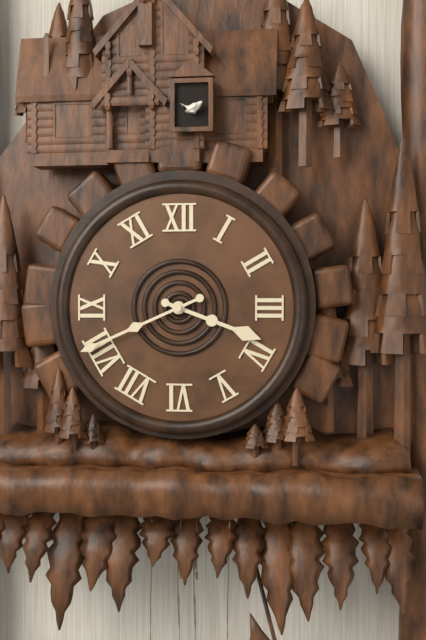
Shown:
3h41
